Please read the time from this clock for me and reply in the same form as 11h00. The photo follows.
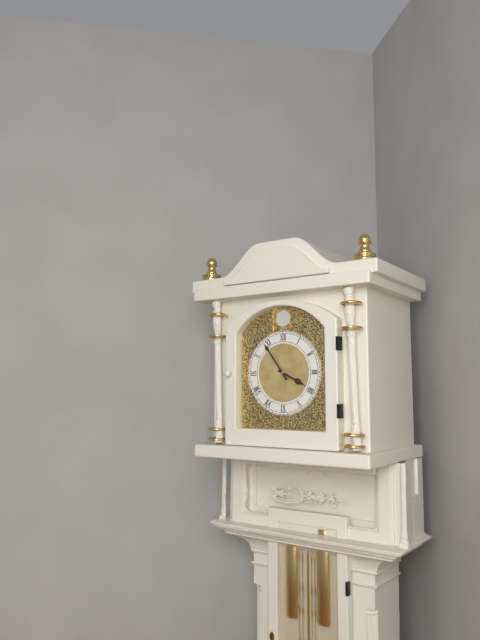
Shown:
3h54
